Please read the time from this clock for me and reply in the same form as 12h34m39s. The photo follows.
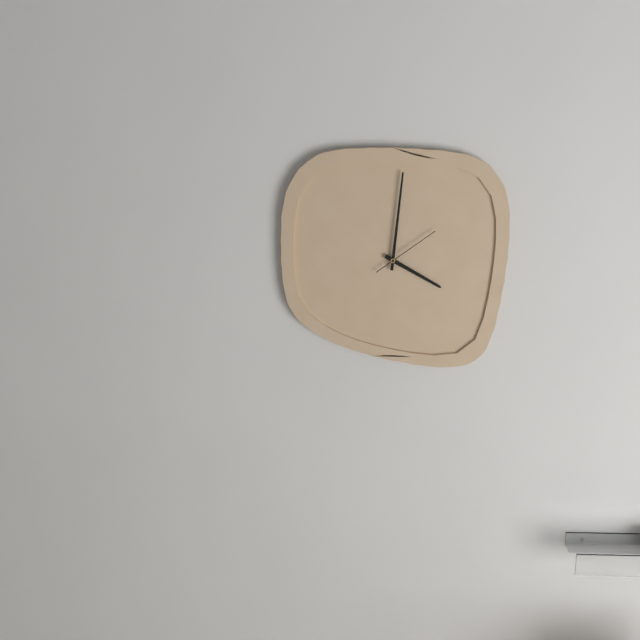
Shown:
4h01m09s
